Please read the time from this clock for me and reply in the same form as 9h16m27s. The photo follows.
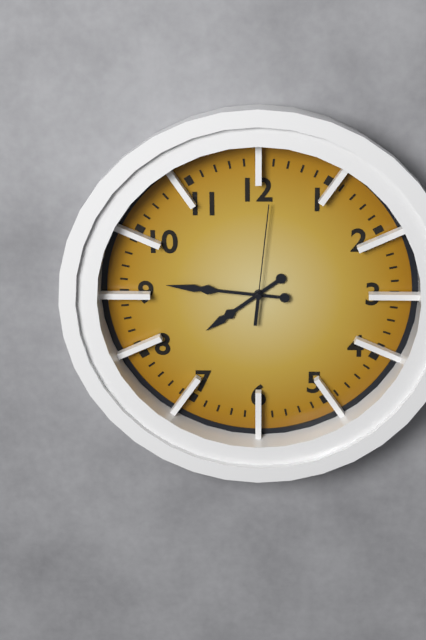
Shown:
7h46m01s
